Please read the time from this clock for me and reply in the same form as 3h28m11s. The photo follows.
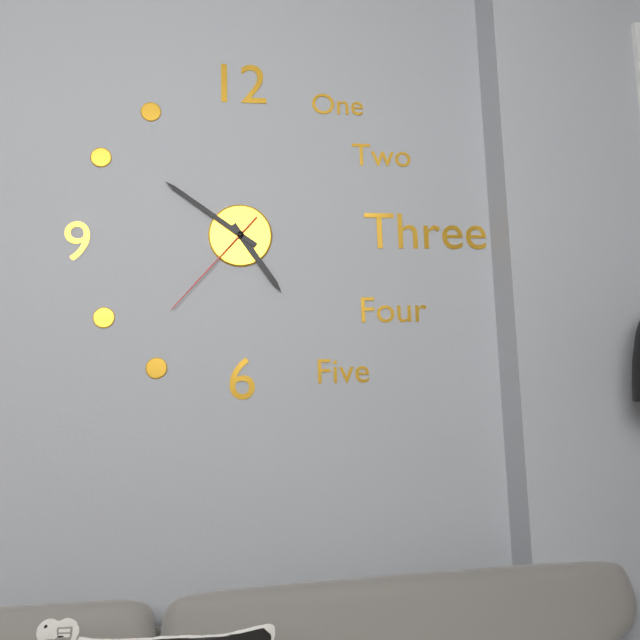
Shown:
4h51m37s
